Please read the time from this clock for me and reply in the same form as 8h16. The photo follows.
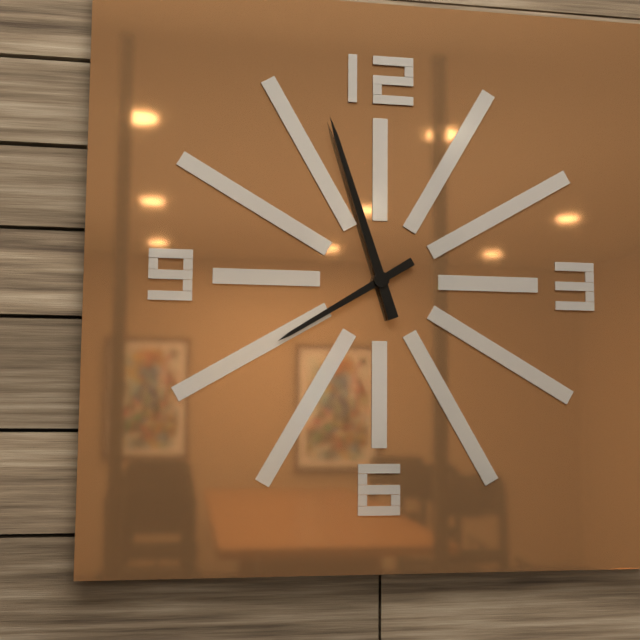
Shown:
7h57
